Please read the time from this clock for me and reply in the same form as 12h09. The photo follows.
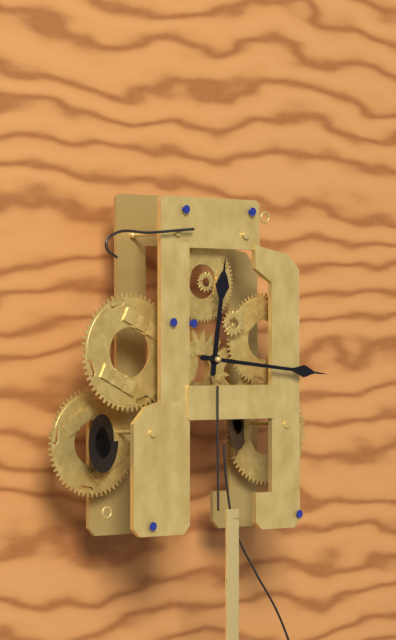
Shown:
12h16
